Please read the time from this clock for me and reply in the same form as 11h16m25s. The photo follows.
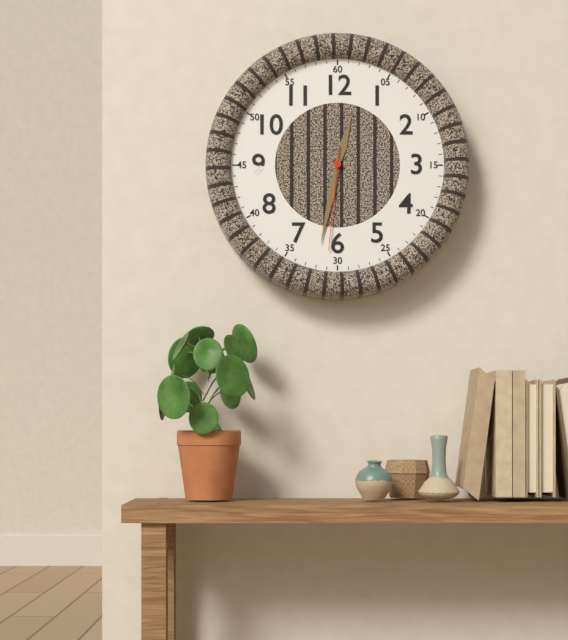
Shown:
12h32m31s
